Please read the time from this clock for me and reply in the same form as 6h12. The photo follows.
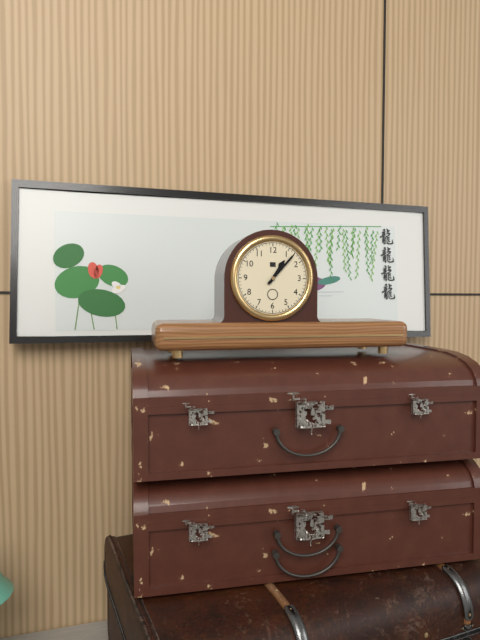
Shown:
1h07
